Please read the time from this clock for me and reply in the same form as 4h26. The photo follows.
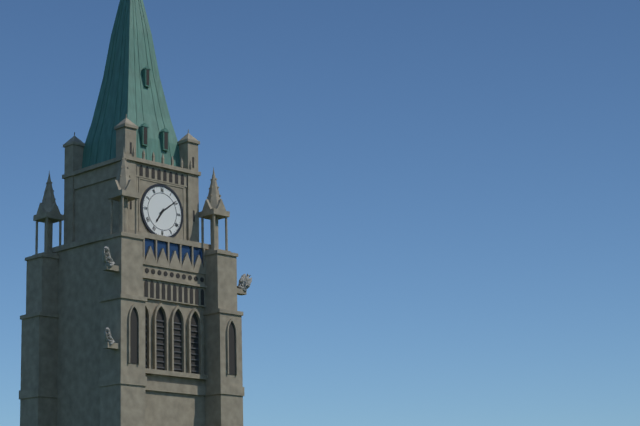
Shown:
7h09
